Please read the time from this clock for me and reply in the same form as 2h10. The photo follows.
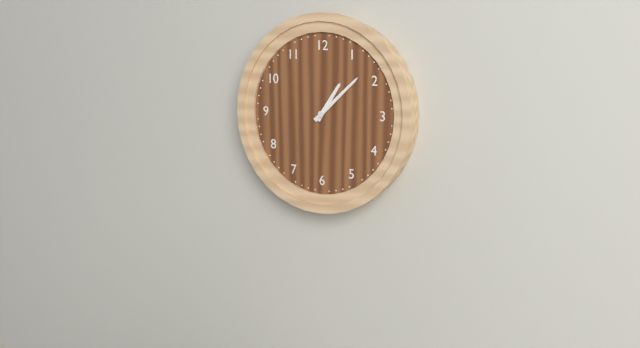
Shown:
1h08
